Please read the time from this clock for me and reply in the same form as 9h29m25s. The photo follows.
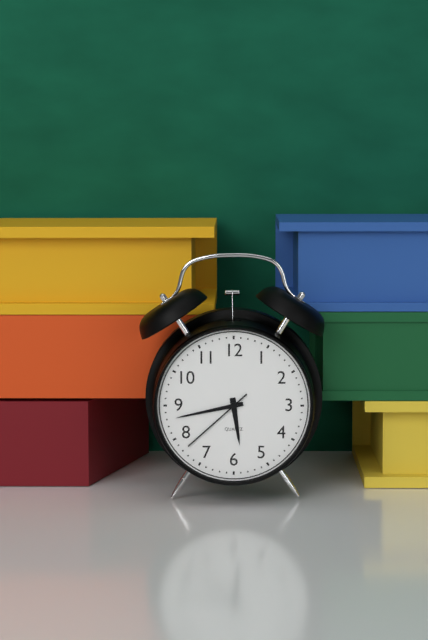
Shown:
5h43m38s
